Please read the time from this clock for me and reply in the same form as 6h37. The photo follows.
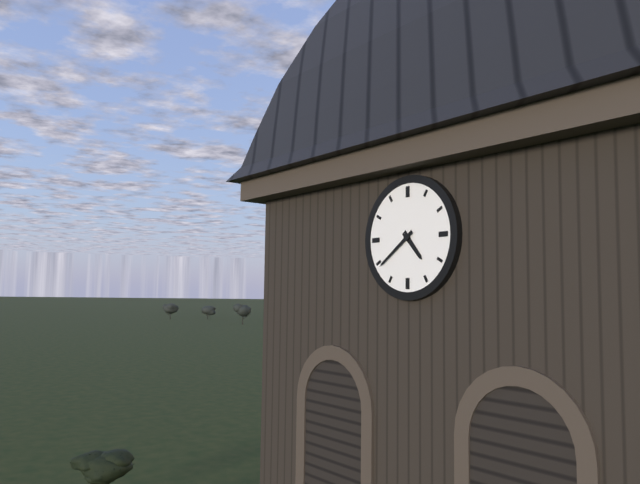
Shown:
4h39
